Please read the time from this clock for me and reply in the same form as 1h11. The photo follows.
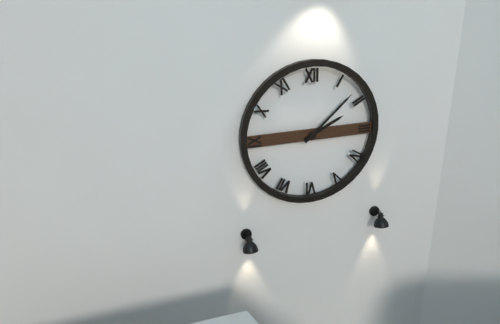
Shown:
2h08
